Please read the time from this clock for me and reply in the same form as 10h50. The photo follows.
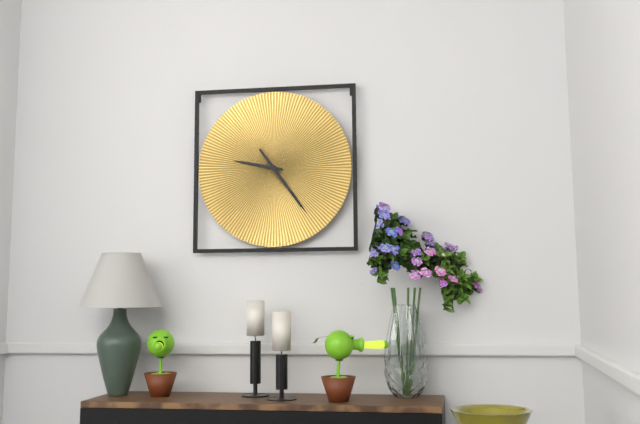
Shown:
9h24
